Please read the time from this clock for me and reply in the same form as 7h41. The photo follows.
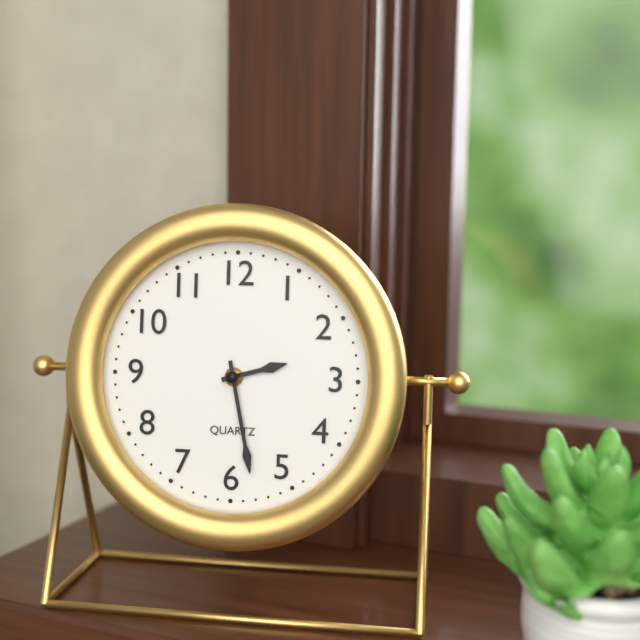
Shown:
2h28
